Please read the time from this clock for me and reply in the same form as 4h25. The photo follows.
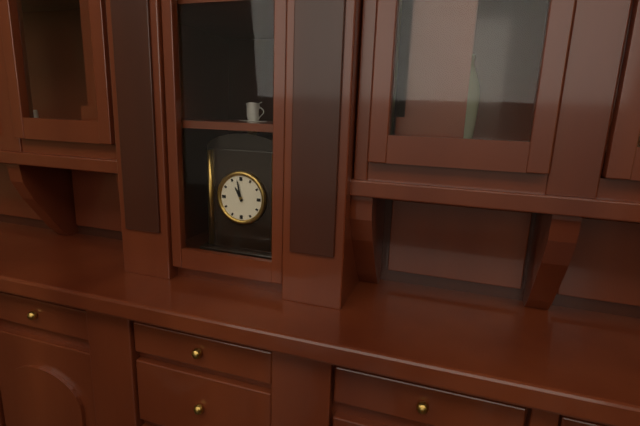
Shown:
10h58
